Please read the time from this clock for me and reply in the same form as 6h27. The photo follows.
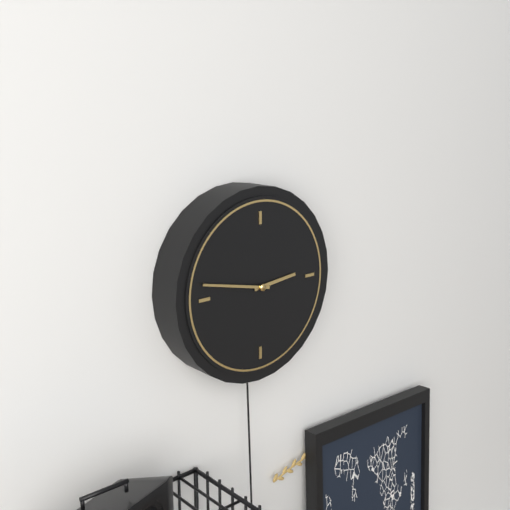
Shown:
2h47
